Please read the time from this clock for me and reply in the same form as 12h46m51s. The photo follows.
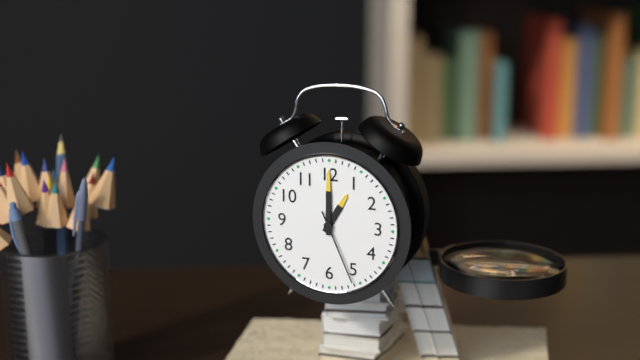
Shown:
1h00m26s
